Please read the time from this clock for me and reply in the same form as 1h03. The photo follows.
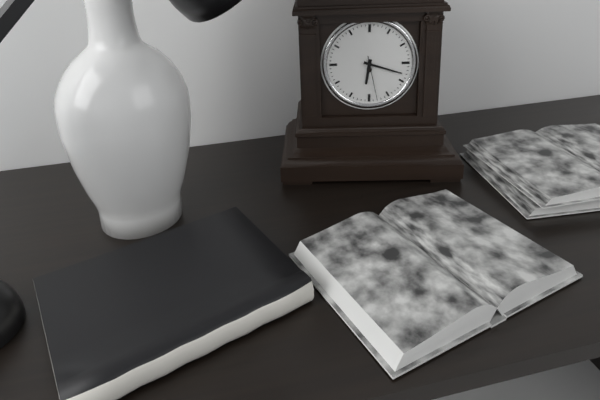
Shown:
6h18
